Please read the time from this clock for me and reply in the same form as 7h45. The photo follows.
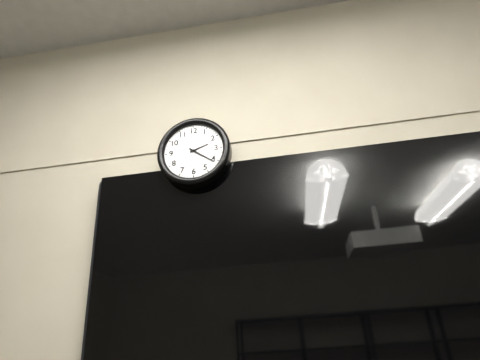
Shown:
2h21
